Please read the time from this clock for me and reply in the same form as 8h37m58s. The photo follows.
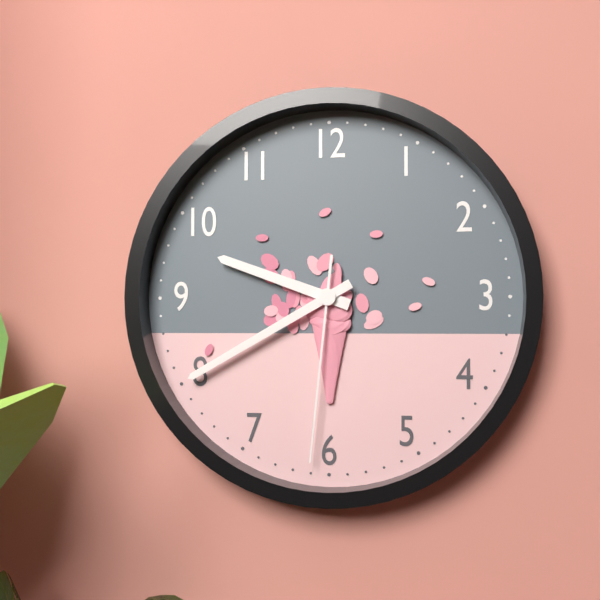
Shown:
9h40m31s
